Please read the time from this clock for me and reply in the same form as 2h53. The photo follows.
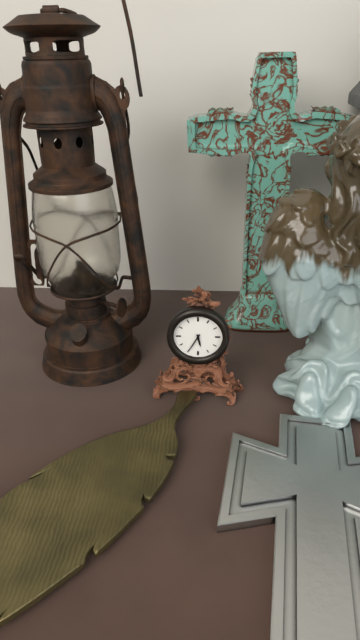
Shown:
5h35
